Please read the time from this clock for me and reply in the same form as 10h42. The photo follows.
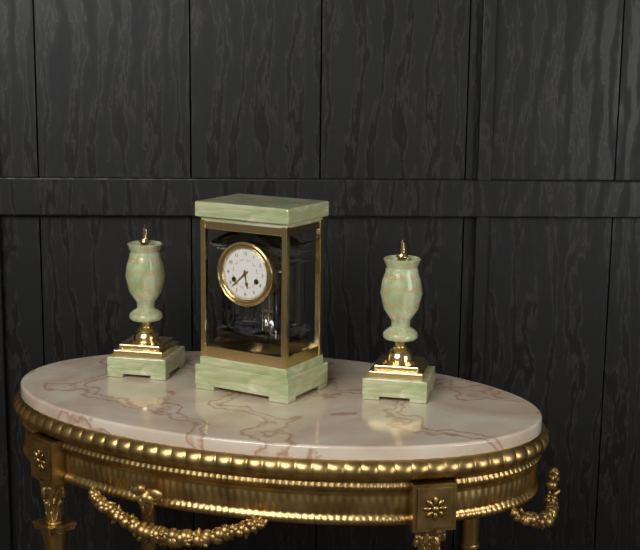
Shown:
5h38
